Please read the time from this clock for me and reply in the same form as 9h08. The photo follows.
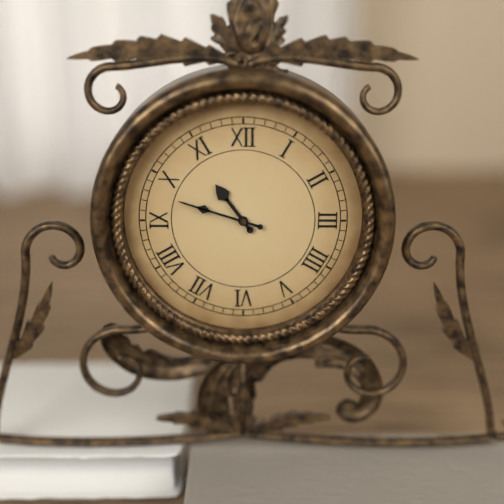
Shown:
10h48
